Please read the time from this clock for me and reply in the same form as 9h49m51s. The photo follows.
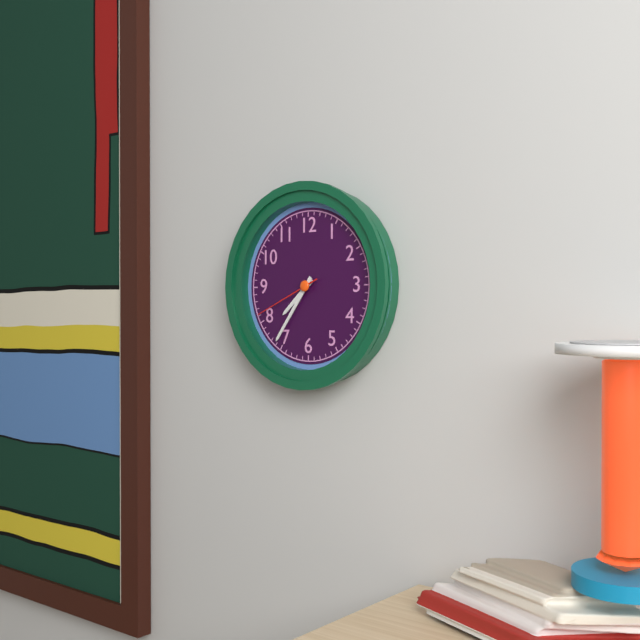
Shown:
7h36m41s
